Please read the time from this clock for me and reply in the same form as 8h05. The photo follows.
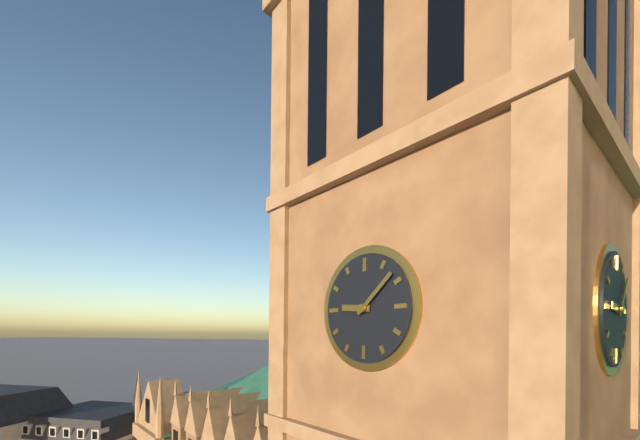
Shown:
9h08
